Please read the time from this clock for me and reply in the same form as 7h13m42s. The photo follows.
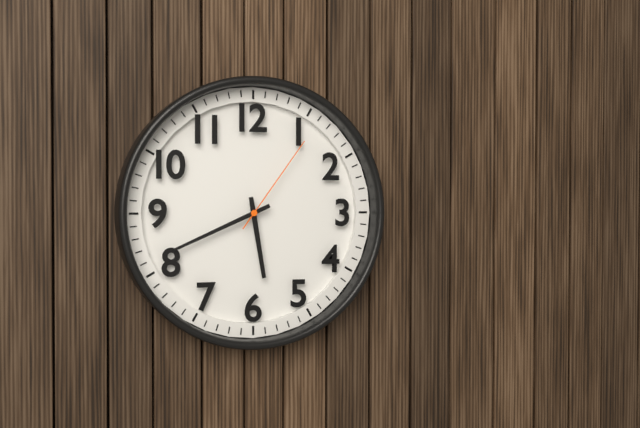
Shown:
5h41m06s
